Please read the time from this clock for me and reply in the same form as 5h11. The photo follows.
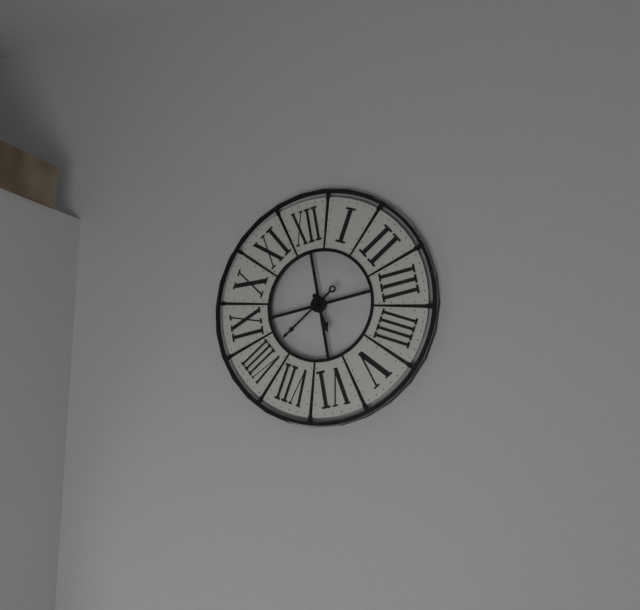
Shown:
5h40
